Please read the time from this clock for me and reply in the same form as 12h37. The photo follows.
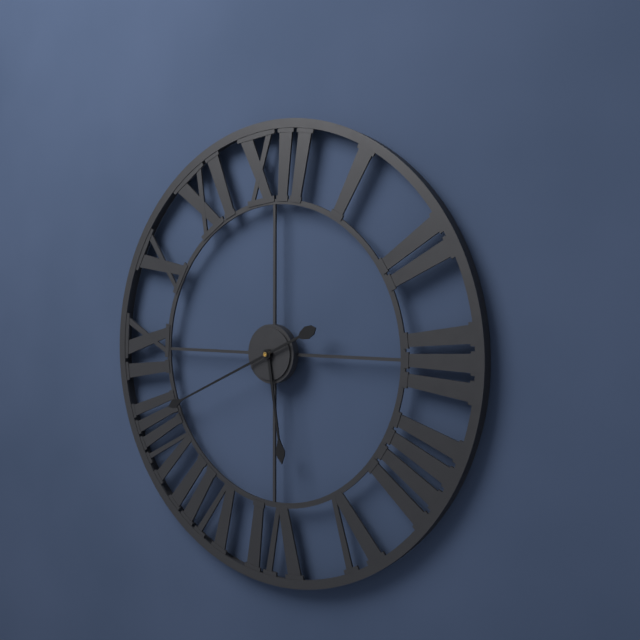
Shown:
5h41
